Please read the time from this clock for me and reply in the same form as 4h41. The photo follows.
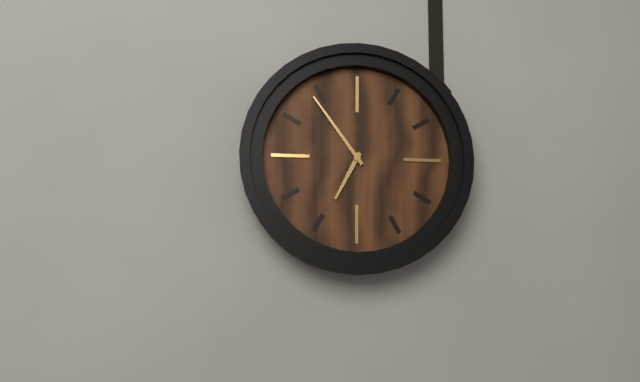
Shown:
6h54
